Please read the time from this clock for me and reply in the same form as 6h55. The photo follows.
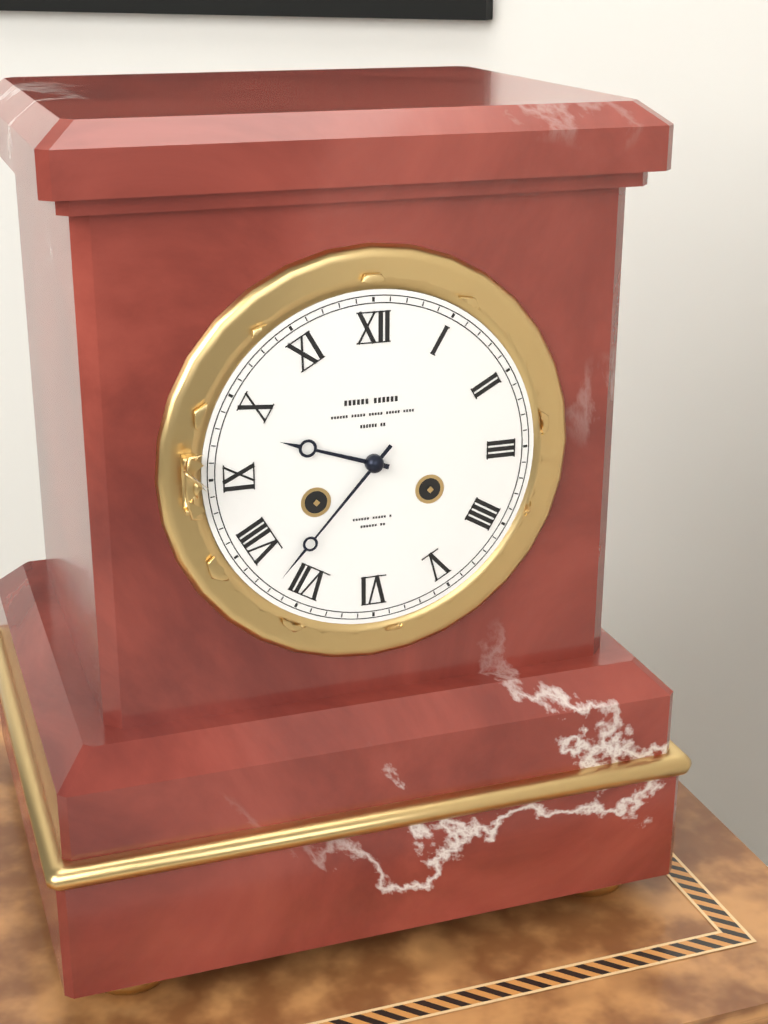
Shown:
9h37
